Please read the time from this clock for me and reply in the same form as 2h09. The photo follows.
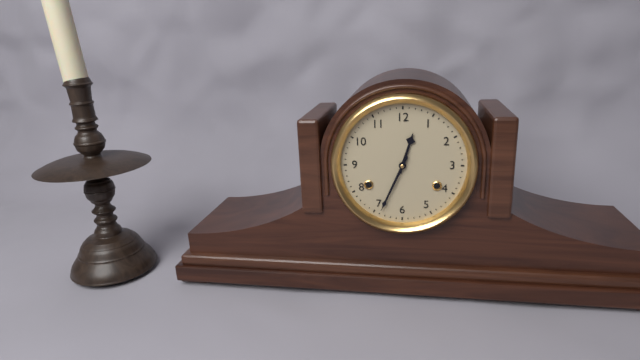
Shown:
12h34
